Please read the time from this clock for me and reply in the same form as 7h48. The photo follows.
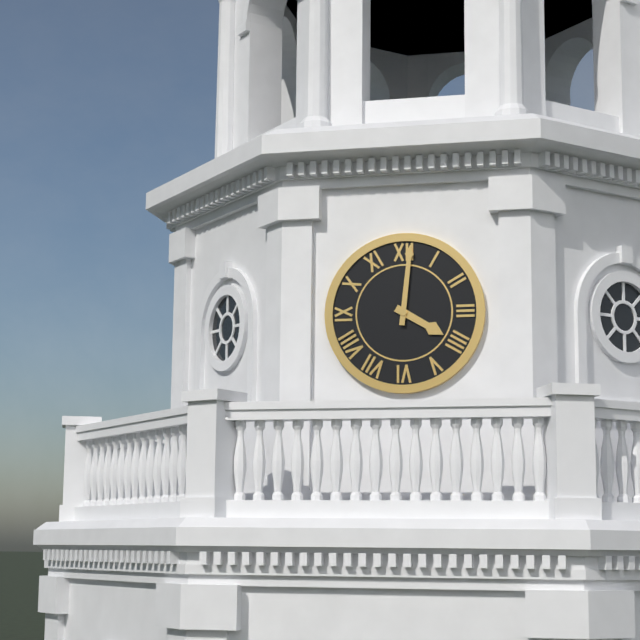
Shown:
4h01
